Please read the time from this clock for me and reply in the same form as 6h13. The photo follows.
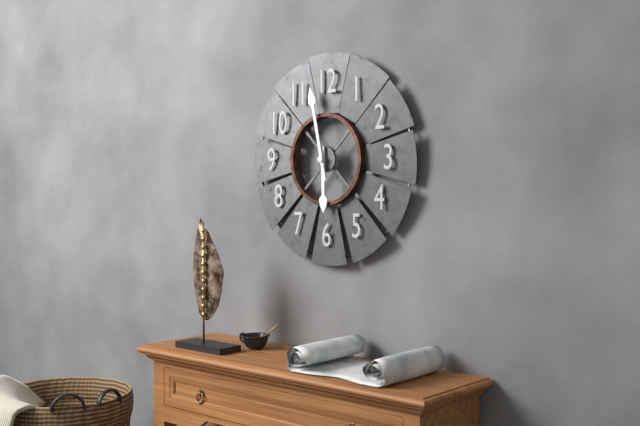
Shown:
5h58
